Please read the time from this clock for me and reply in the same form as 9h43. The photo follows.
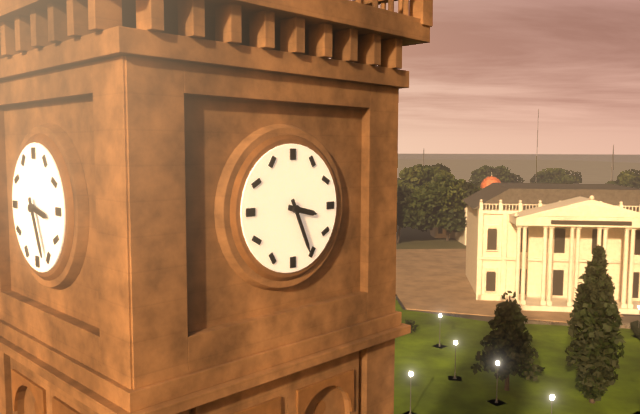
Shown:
3h26
